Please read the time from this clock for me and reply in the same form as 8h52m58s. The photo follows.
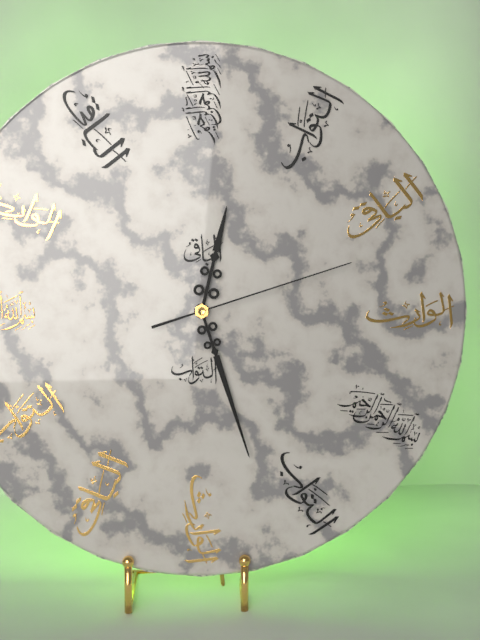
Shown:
12h27m12s
